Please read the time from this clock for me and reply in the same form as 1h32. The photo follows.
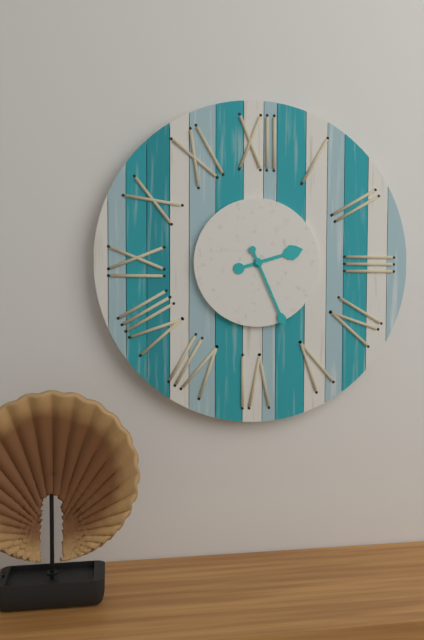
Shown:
2h26
